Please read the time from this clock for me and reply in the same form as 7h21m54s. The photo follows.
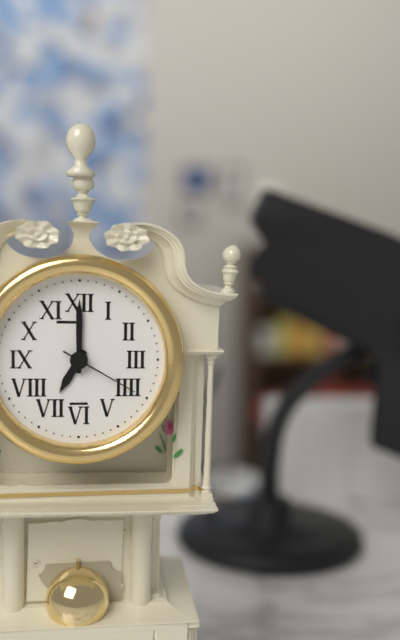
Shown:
7h00m20s
